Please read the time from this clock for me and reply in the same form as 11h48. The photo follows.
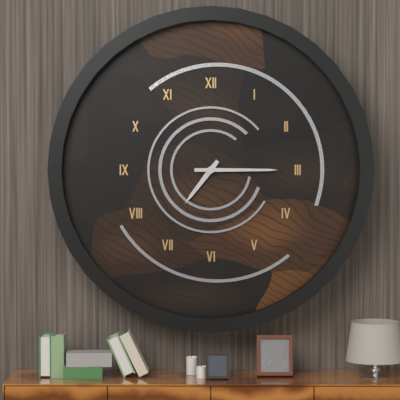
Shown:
7h15
